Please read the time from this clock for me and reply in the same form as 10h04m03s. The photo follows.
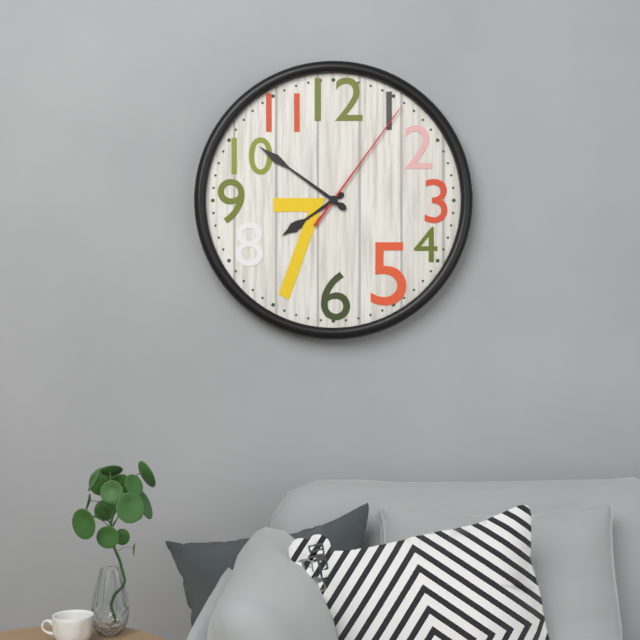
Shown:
7h51m06s
